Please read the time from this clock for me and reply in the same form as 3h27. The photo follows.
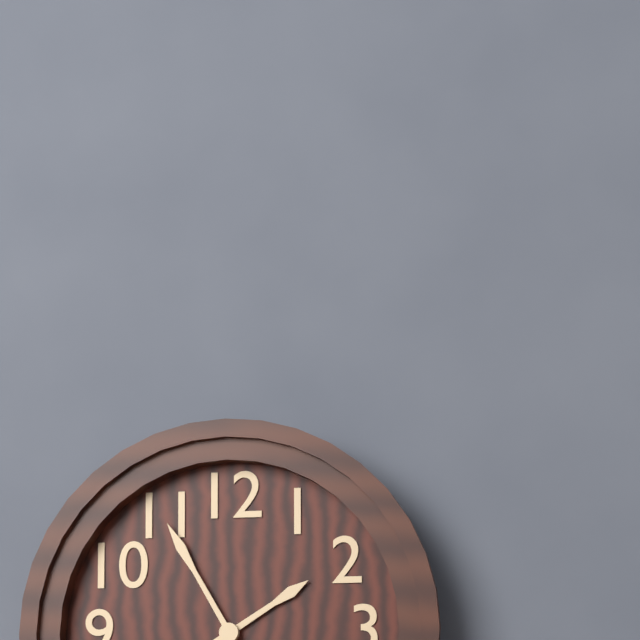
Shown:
1h55
